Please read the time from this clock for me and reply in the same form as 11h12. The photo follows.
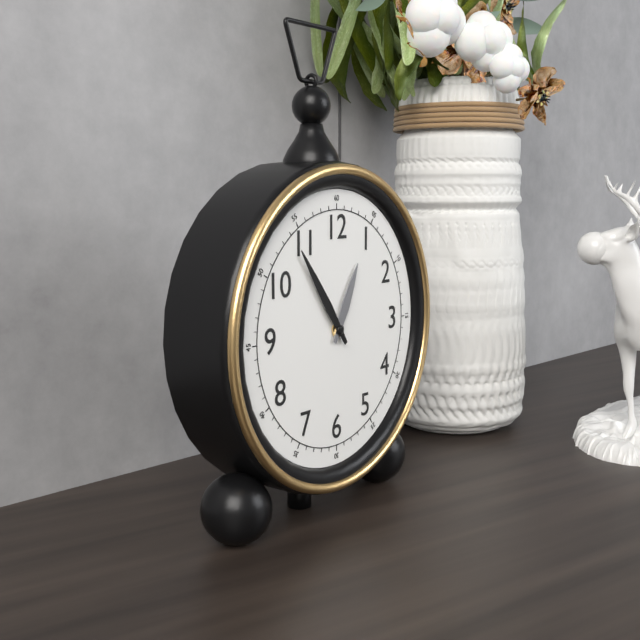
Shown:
12h54
